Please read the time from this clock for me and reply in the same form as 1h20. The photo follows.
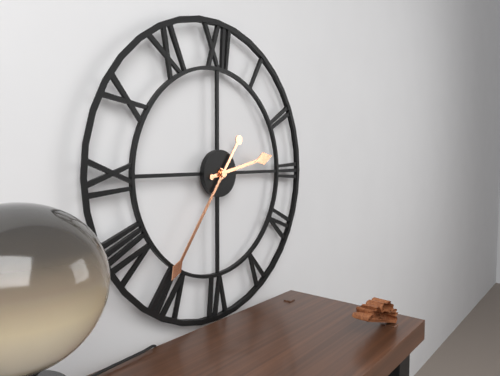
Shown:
2h36
